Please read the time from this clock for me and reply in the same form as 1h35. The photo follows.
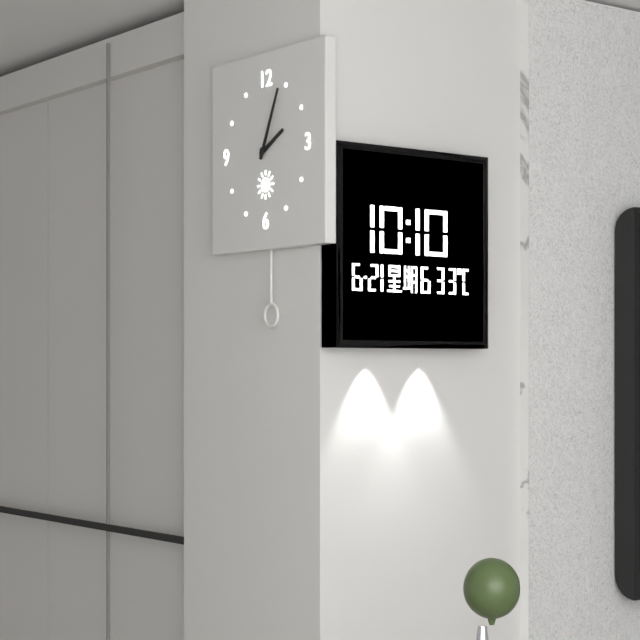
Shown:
2h04
